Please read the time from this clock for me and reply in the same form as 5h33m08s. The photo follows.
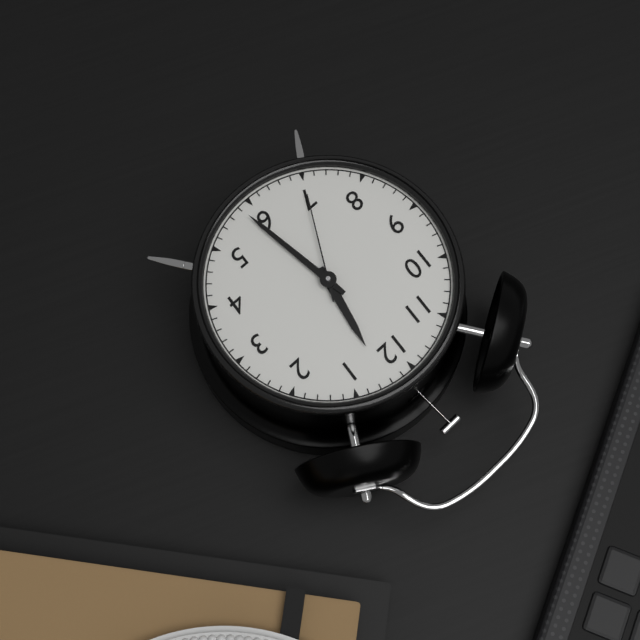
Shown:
12h29m35s
